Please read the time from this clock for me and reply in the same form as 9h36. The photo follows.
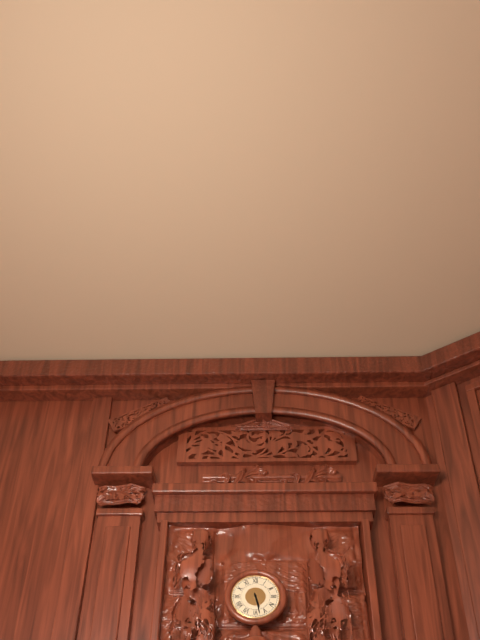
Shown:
5h28
